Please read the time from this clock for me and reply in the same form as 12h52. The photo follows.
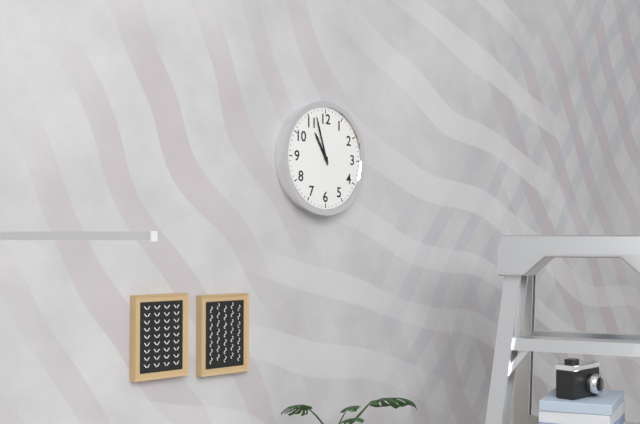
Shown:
10h57
